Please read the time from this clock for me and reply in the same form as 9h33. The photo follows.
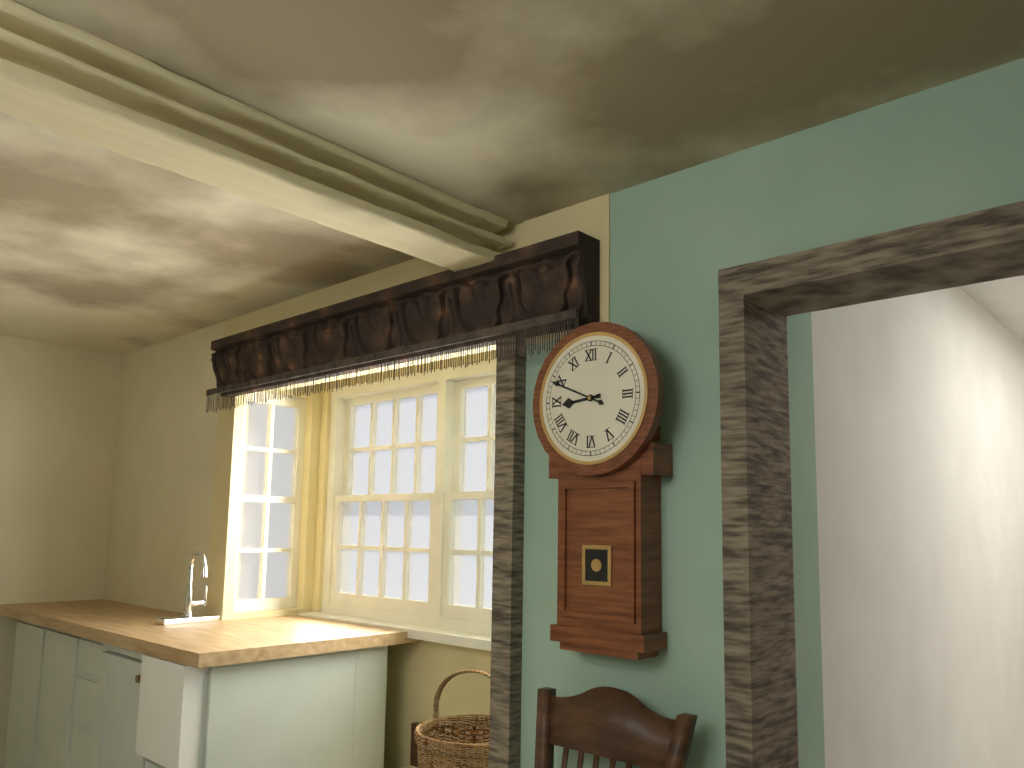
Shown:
8h49
